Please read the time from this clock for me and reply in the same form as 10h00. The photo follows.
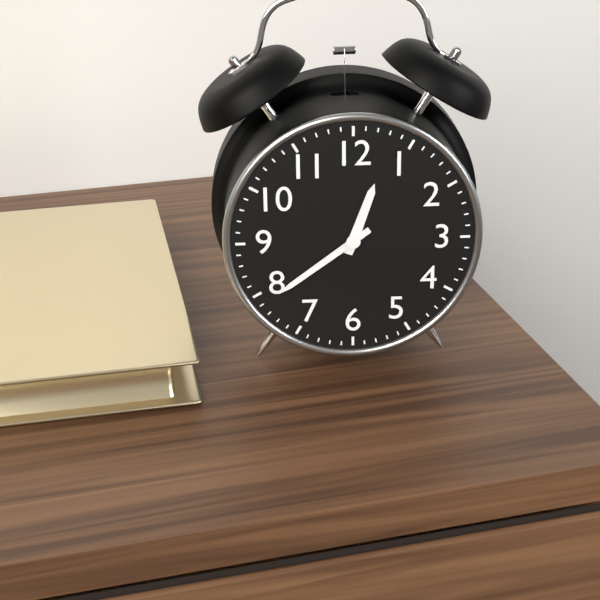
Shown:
12h39
